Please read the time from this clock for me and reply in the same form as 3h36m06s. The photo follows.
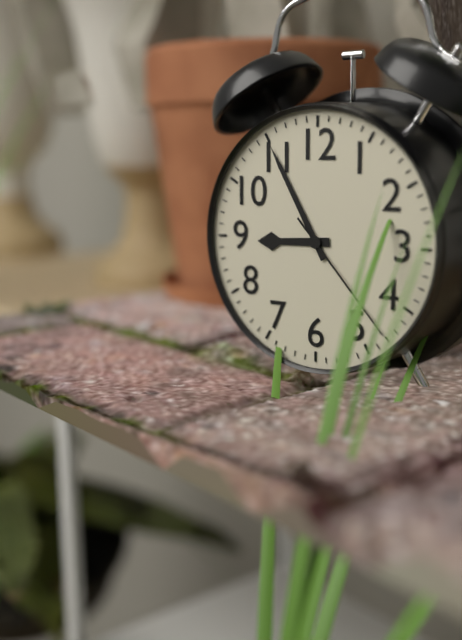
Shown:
8h55m23s
